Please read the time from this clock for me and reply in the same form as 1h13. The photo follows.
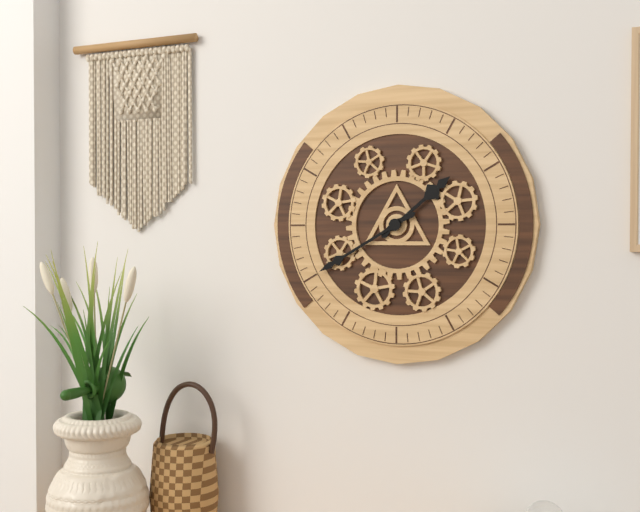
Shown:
1h40
